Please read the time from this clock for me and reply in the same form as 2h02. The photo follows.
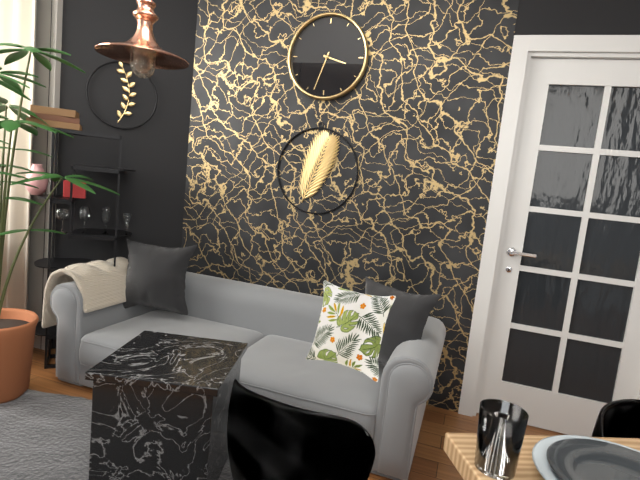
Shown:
3h33
